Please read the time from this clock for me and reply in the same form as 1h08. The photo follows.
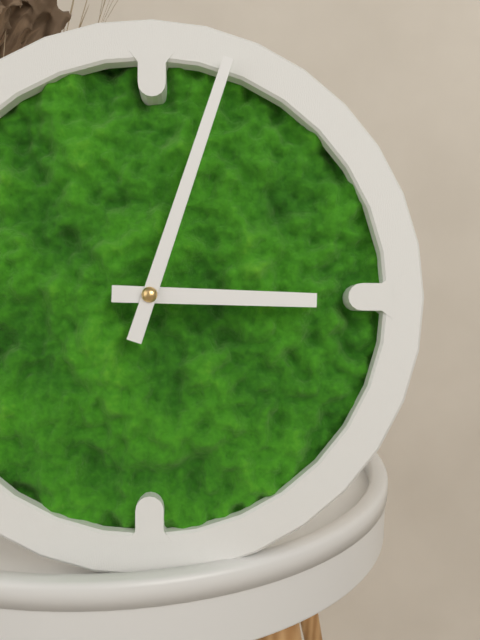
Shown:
3h03
